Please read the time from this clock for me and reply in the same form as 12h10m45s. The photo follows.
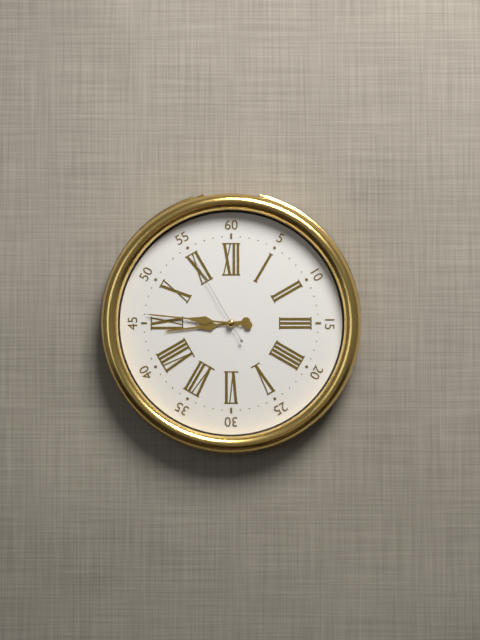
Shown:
8h46m55s
